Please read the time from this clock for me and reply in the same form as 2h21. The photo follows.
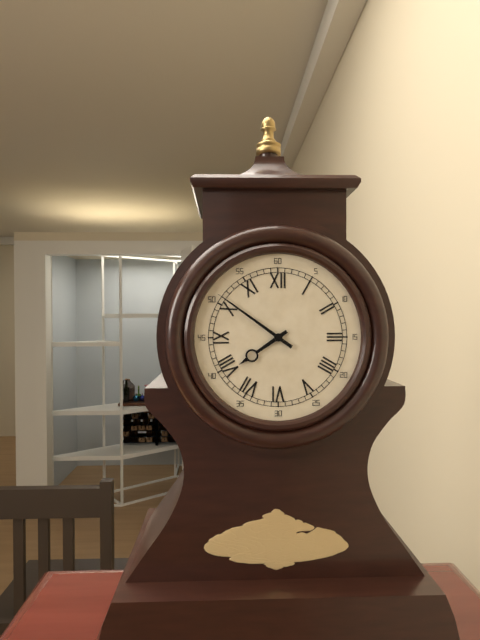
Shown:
7h51
